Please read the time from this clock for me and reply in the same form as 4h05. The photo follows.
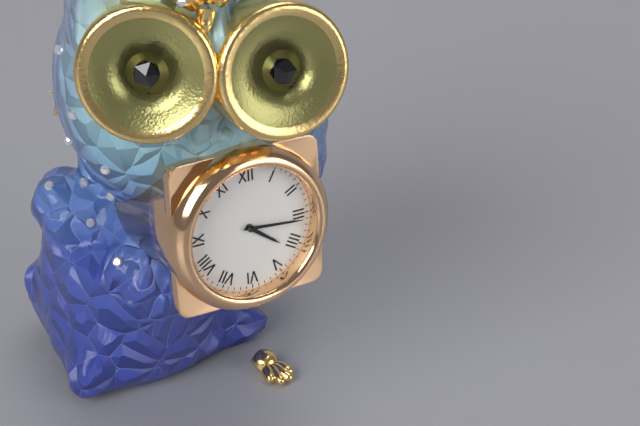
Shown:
4h16
